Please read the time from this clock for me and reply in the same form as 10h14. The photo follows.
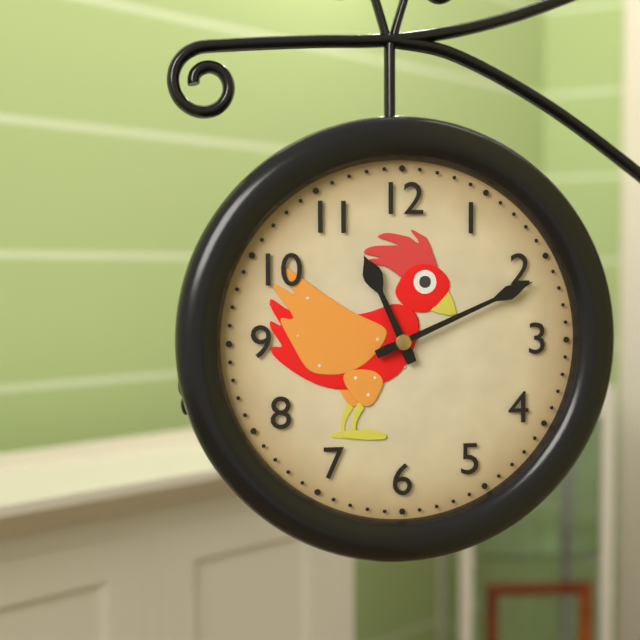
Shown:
11h11
